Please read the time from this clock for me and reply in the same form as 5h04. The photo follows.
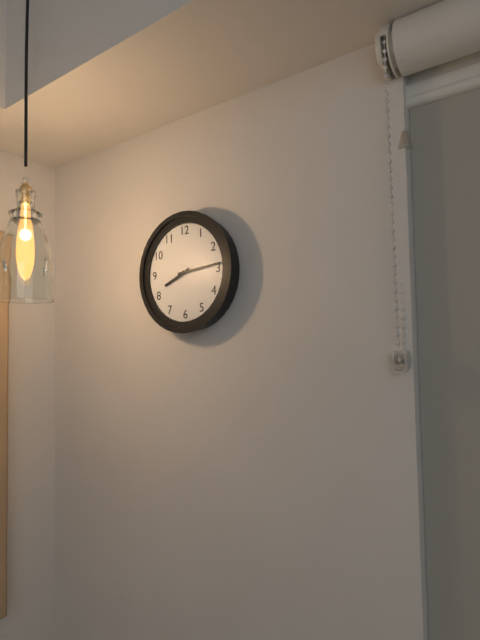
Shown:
8h14
